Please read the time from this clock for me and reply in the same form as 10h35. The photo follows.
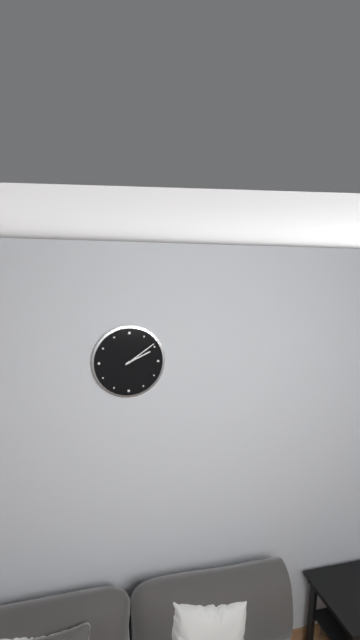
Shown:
2h09
